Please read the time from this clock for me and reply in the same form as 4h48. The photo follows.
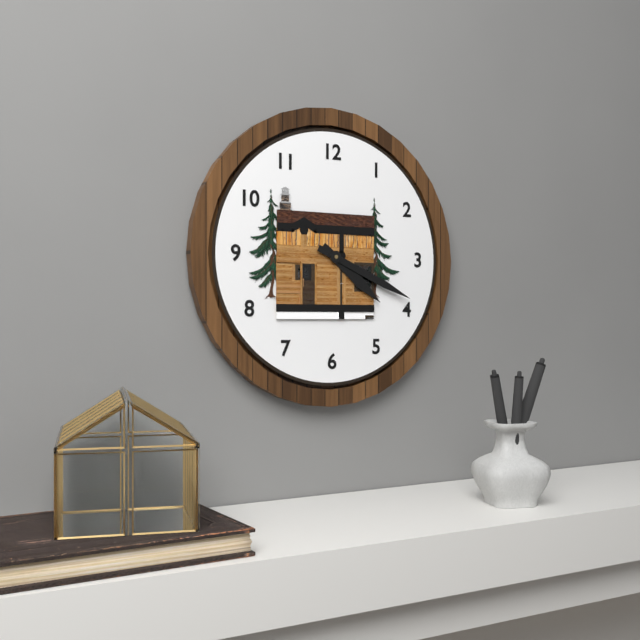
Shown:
4h19
